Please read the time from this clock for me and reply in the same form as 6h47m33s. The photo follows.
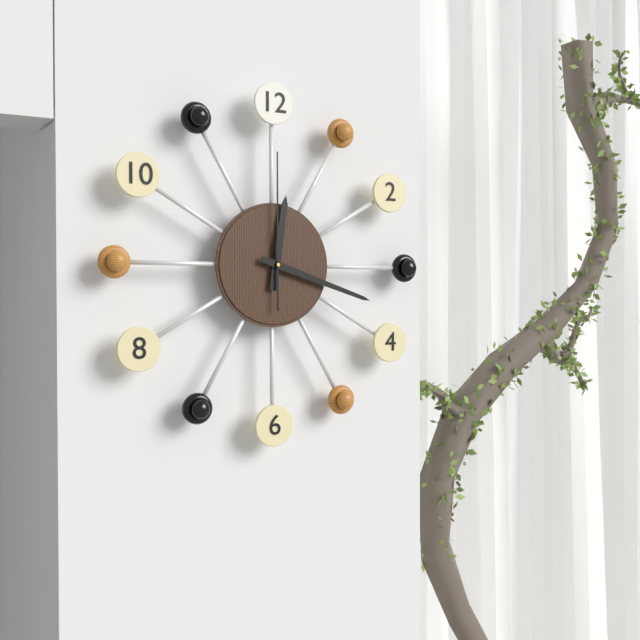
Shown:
12h18m00s
